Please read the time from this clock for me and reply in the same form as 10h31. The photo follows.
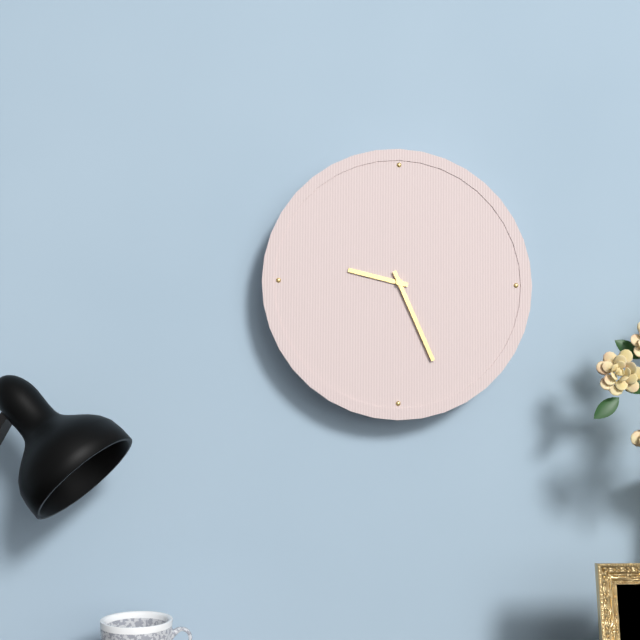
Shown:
9h26
